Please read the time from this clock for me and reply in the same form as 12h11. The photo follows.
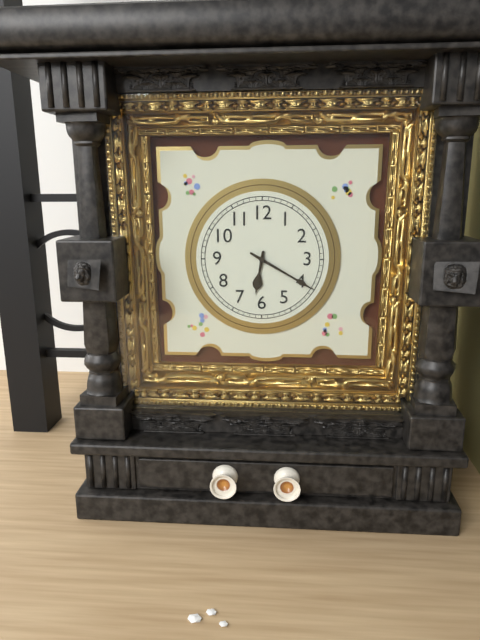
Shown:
6h20
